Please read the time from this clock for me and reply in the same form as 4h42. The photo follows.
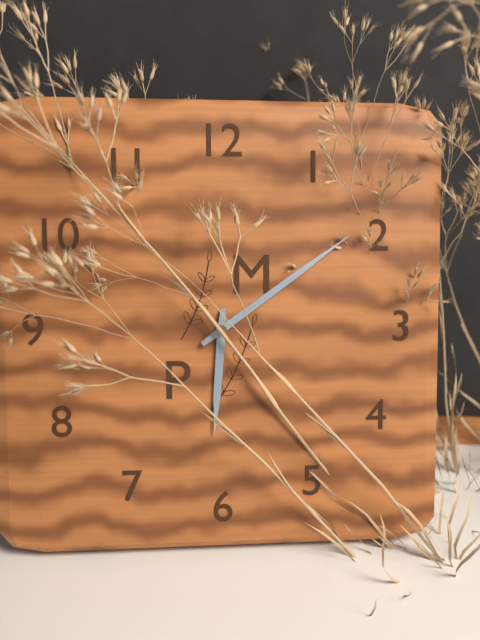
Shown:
6h09
